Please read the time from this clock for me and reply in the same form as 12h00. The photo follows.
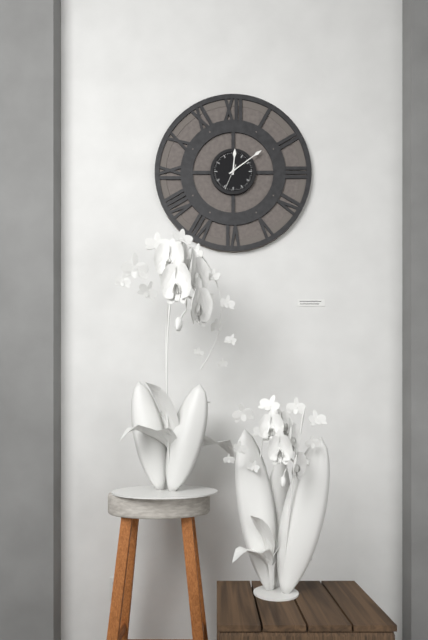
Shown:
12h09
